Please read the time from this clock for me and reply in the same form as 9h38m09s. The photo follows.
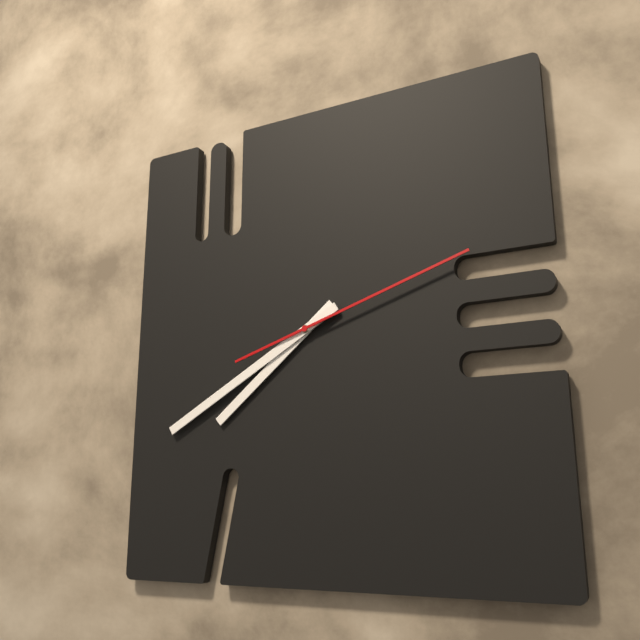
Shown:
7h40m12s
